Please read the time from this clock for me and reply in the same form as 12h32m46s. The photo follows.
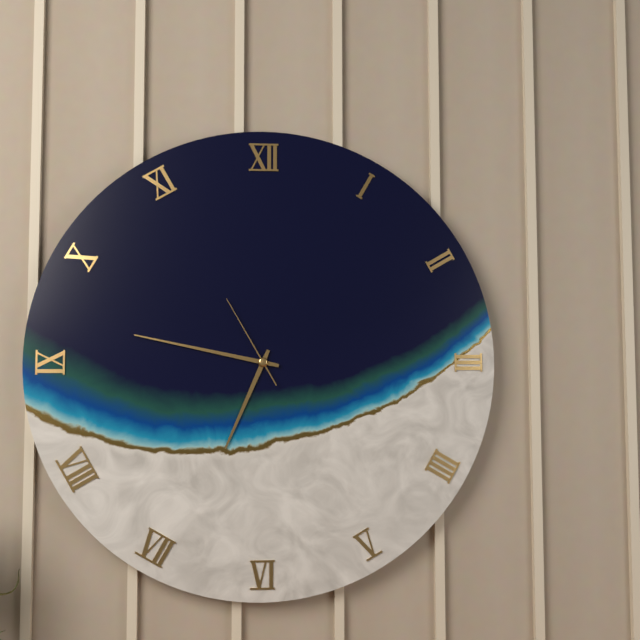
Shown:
6h47m55s
